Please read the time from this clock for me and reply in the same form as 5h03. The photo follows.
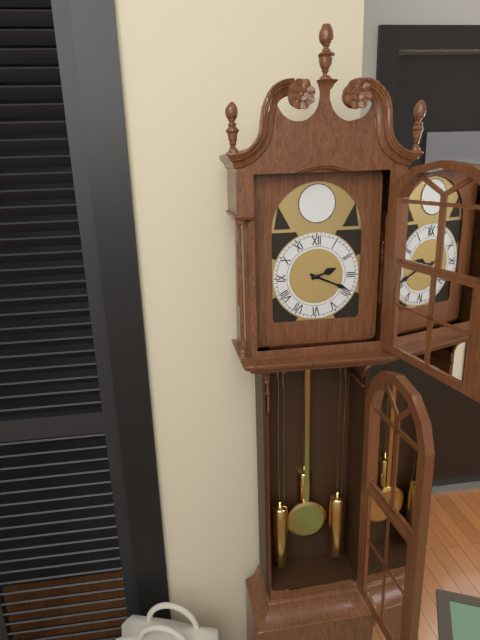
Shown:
2h19
